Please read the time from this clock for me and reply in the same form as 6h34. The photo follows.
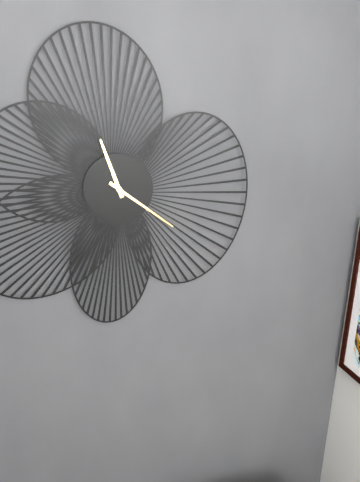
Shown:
11h21
